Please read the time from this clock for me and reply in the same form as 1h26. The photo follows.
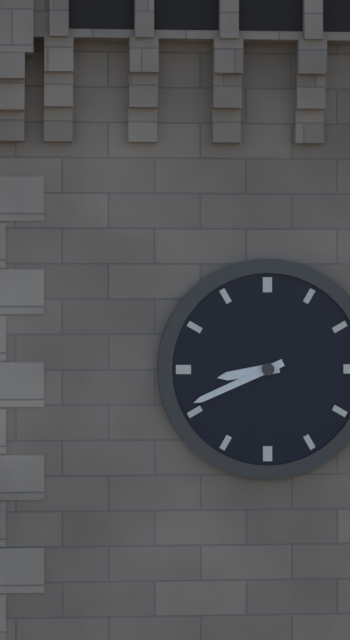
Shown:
8h41
